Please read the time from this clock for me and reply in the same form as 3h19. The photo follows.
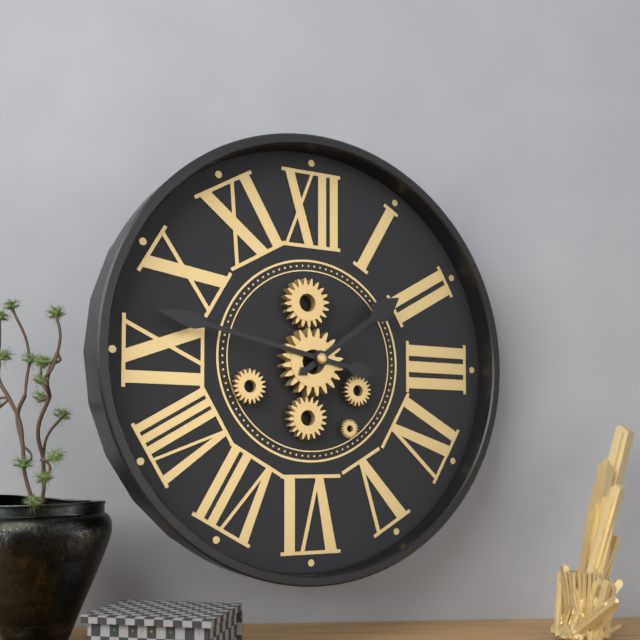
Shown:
1h47
